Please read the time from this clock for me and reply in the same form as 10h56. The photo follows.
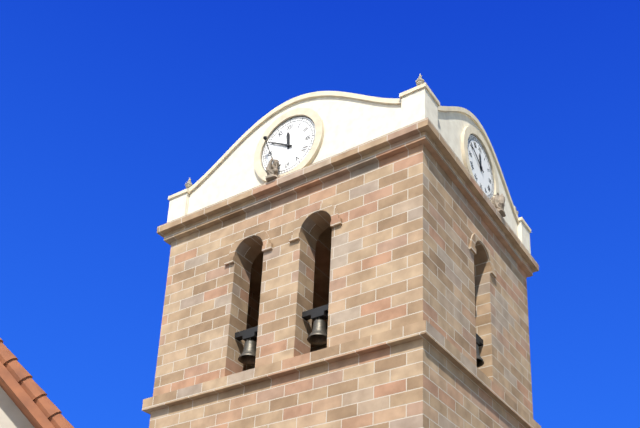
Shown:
11h50
